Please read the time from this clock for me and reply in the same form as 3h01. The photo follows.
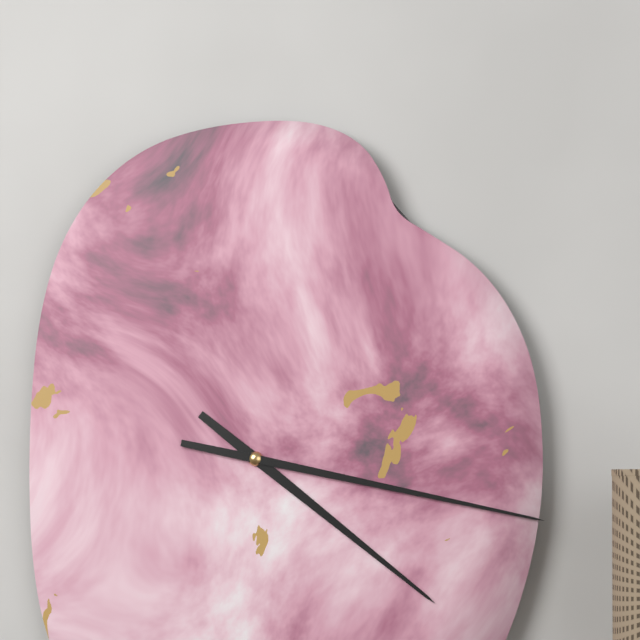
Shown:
4h17
